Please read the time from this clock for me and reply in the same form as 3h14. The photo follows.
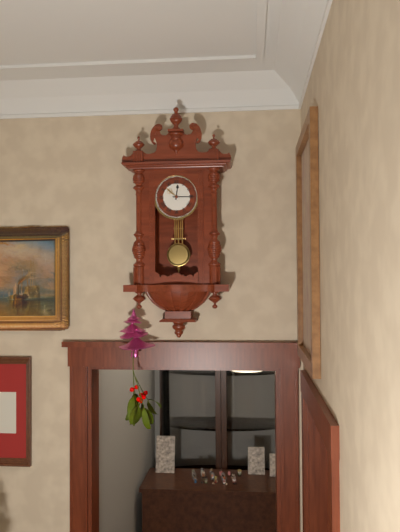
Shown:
12h15
